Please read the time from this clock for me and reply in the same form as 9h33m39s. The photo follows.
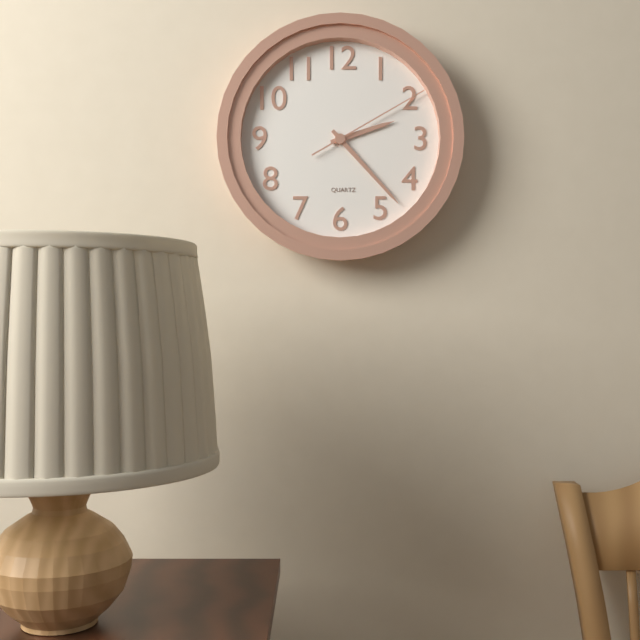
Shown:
2h23m10s
